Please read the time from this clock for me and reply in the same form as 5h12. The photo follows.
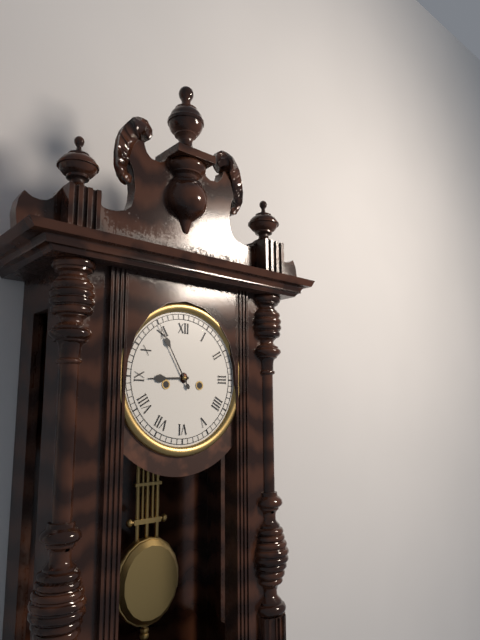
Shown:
8h55
